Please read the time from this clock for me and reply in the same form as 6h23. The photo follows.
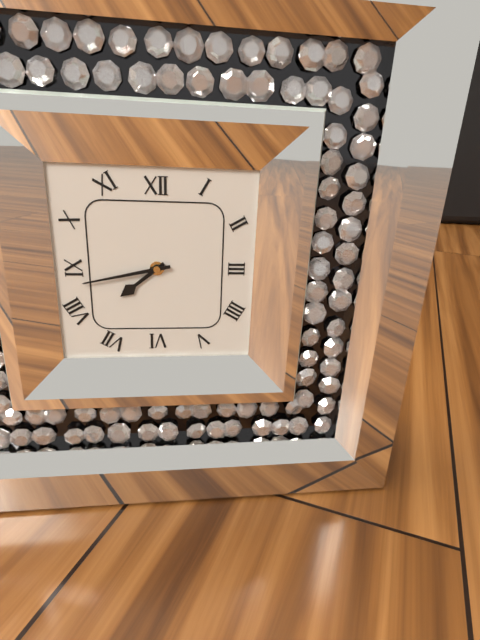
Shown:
7h43
